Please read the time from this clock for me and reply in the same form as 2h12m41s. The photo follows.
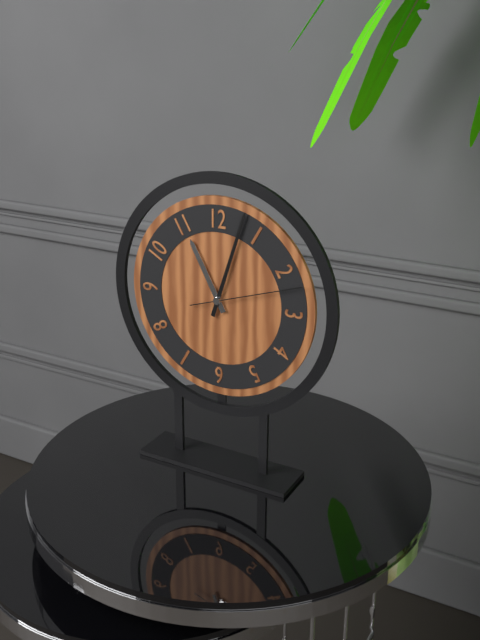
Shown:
11h03m12s
